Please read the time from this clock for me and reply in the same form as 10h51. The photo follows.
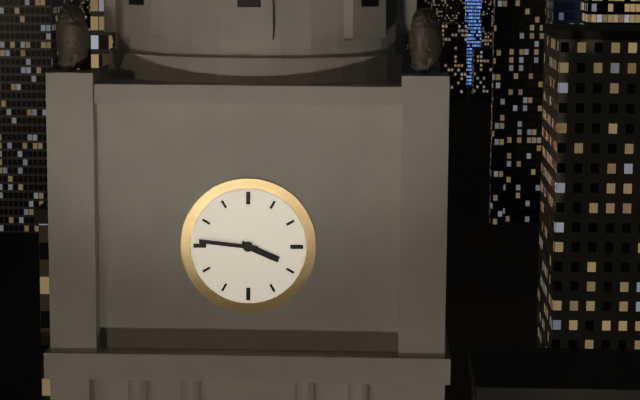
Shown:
3h46
